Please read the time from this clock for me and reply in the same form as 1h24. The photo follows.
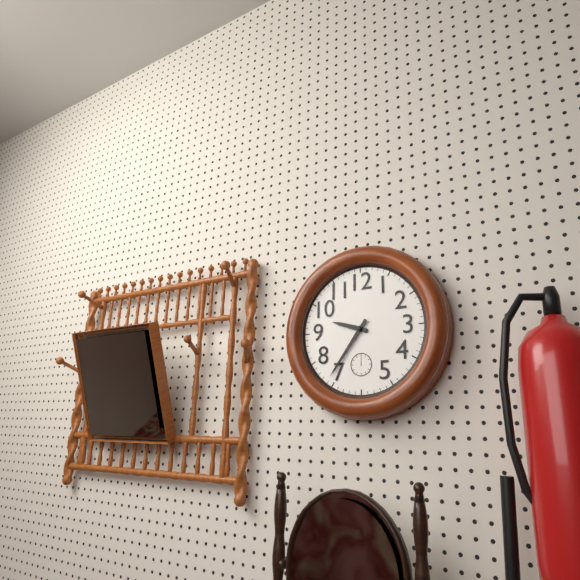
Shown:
9h36
